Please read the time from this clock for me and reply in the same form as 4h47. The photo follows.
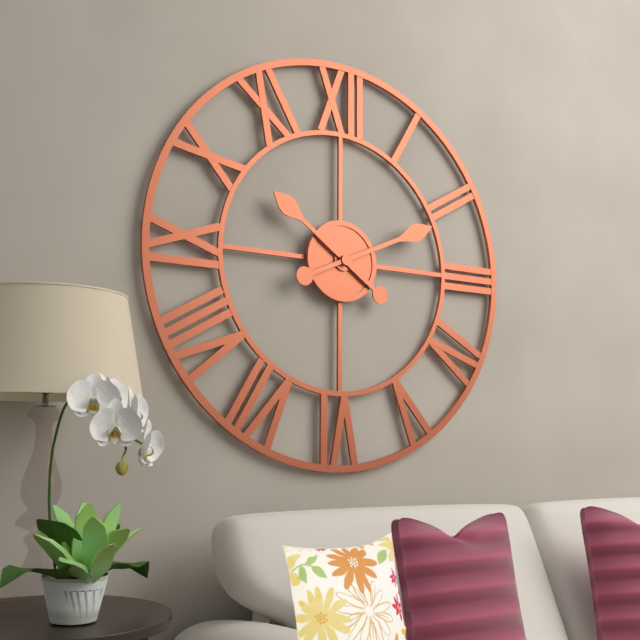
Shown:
10h11
